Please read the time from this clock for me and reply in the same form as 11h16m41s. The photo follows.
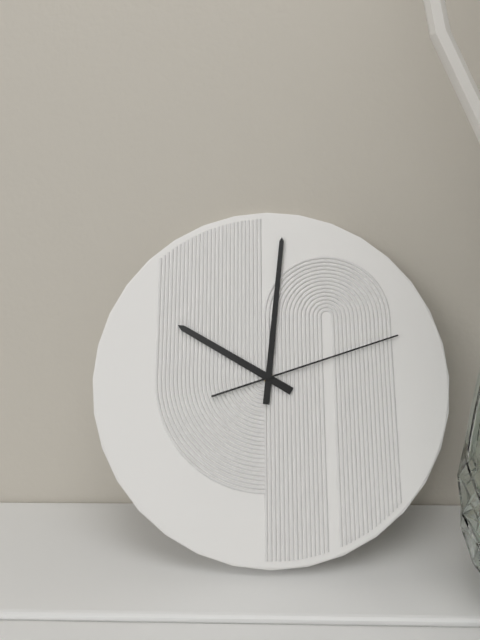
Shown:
10h01m12s
